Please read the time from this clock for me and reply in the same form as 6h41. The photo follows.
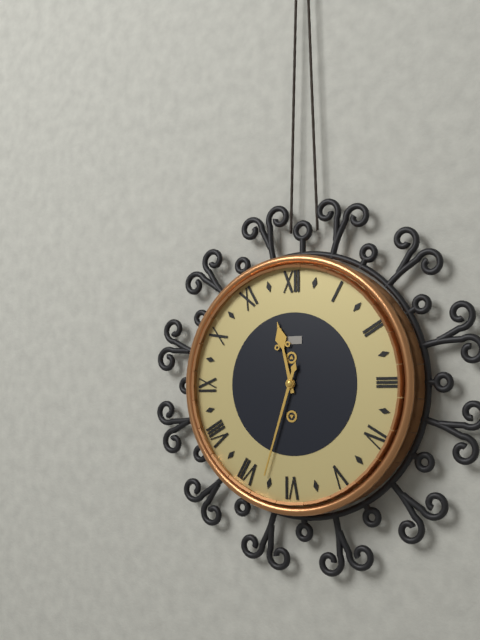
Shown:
11h33
